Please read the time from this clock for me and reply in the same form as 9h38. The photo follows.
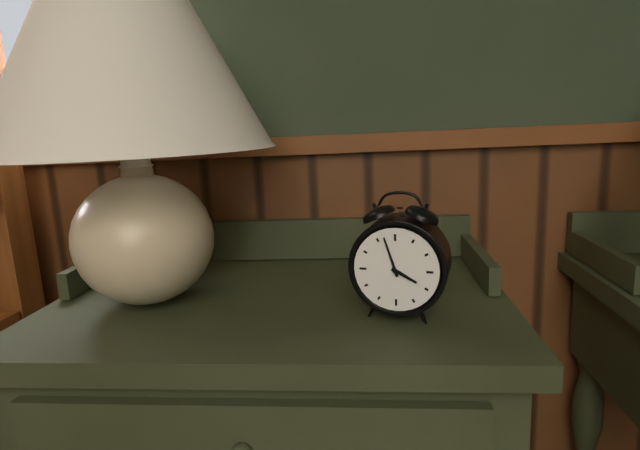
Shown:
3h57
